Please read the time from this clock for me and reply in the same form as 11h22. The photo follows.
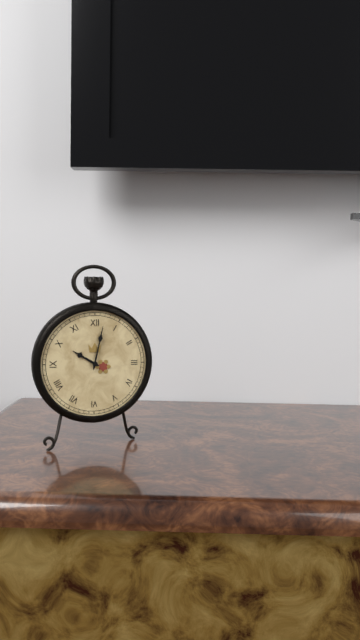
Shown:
10h02
